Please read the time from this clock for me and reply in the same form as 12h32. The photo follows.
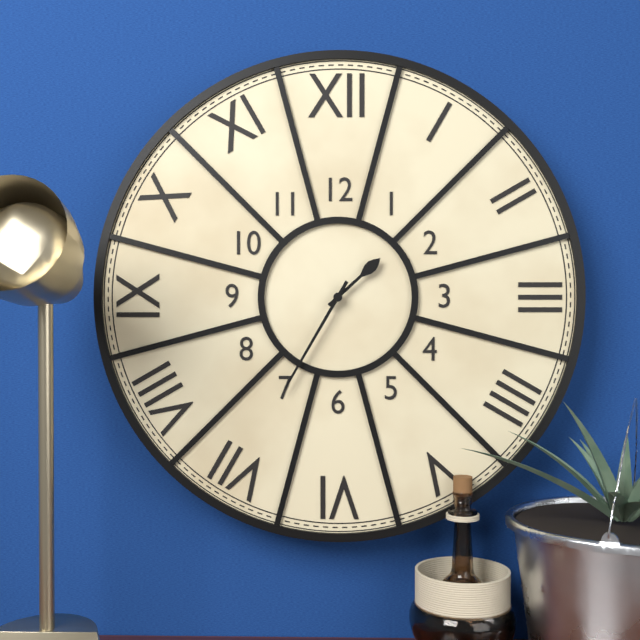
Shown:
1h35
